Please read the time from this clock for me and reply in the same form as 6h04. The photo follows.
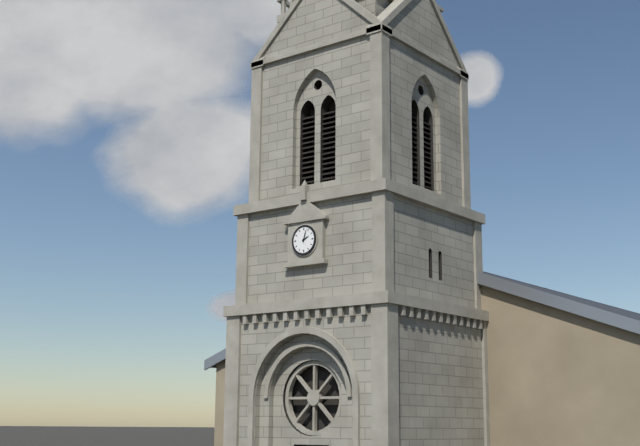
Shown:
2h03
